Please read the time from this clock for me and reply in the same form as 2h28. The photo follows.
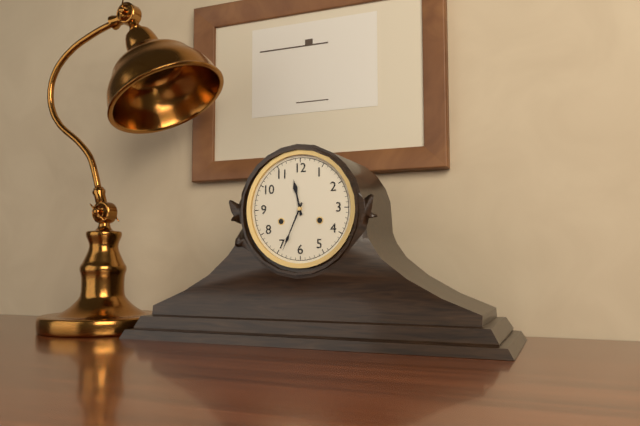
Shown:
11h34
